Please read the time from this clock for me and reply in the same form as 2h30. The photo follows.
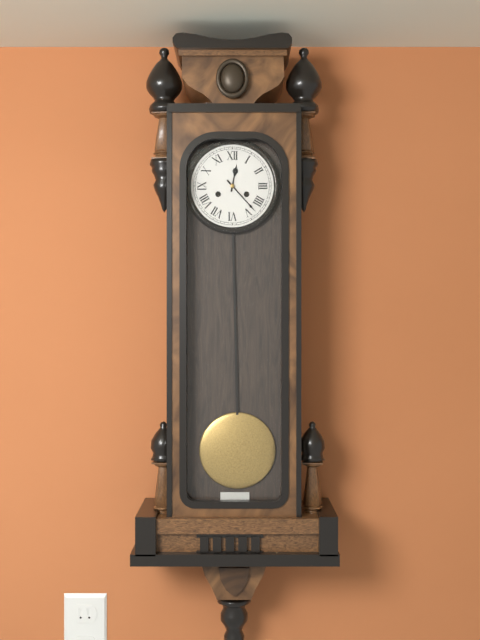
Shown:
12h23
